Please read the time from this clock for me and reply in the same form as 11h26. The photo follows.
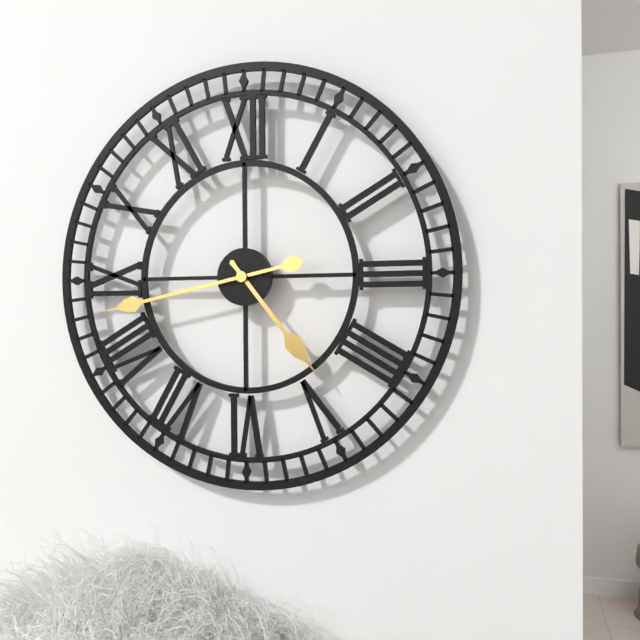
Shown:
4h43
